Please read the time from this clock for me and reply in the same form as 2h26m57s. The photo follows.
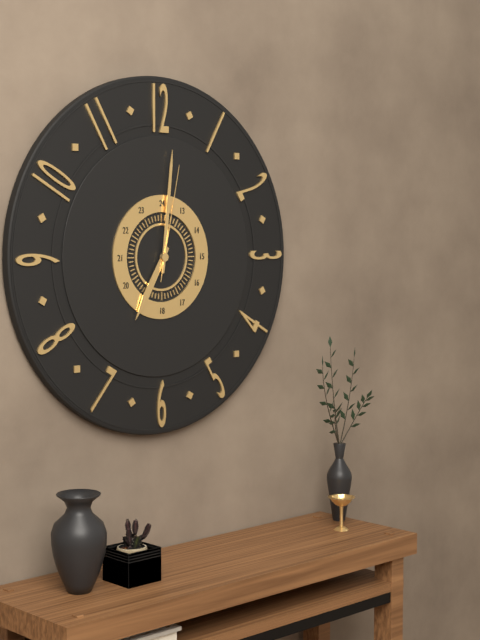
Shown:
7h01m02s
